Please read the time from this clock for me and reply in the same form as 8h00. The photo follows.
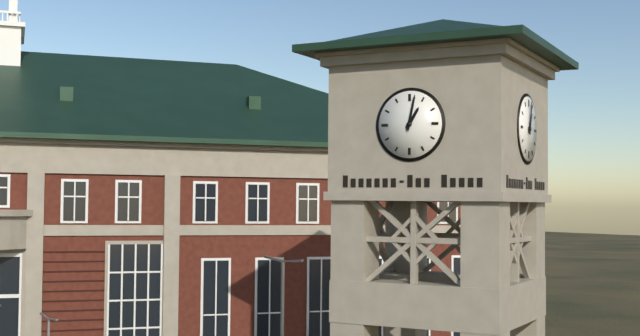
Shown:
1h02
